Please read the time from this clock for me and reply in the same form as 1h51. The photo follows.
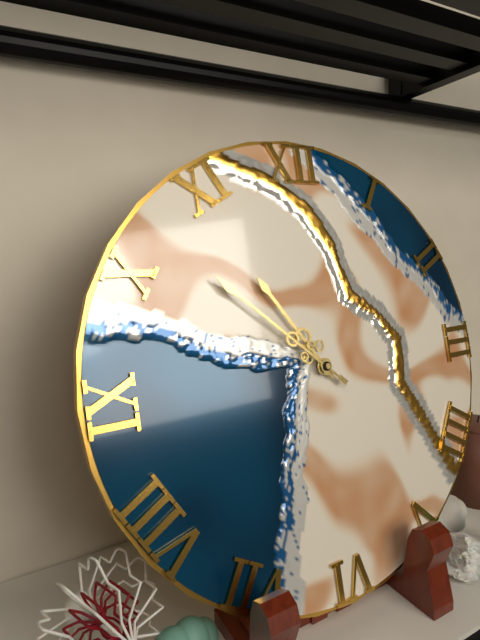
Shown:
10h52
